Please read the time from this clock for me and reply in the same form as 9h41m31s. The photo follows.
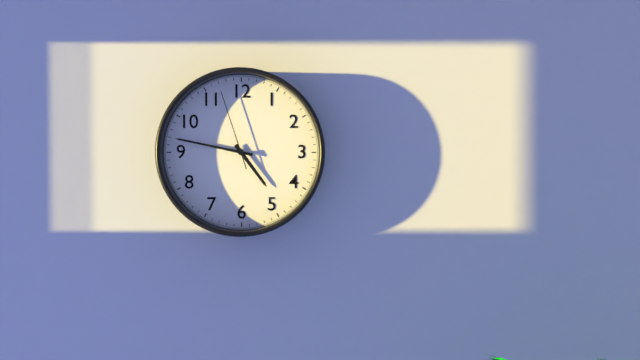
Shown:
4h47m57s
